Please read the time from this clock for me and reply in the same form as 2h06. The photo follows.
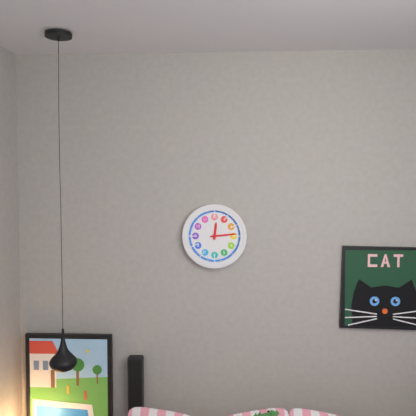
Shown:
12h14
